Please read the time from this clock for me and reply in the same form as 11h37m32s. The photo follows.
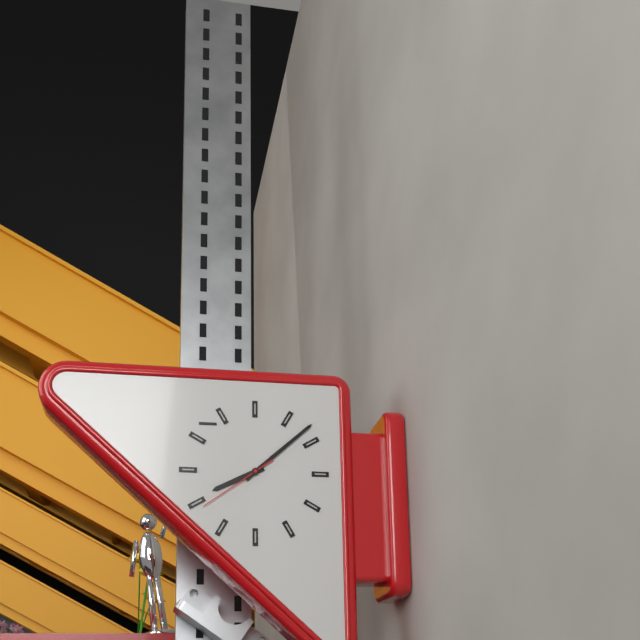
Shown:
8h08m39s
